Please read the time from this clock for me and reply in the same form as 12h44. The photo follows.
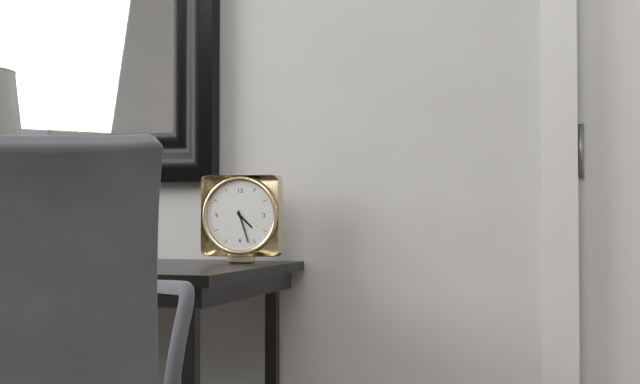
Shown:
4h27
